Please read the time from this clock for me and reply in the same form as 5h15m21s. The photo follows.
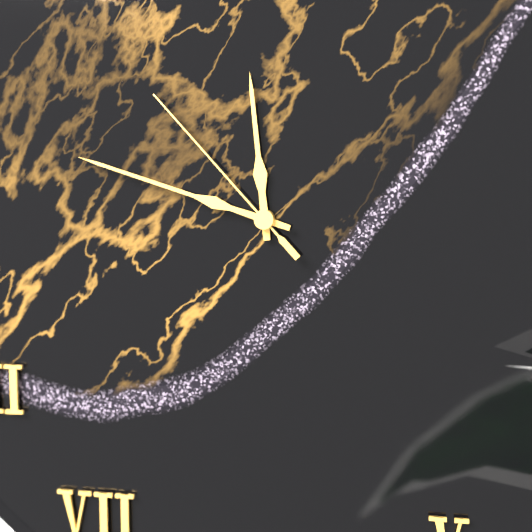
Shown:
11h48m53s
